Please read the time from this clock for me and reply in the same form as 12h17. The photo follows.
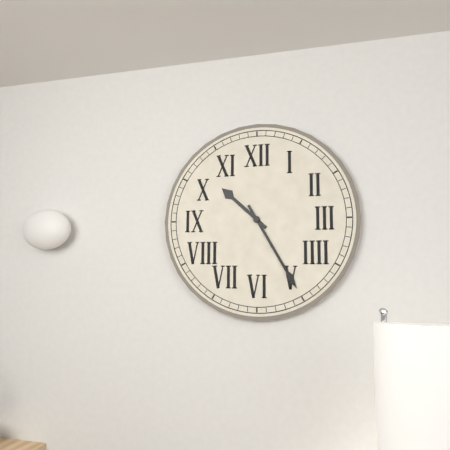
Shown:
10h25
